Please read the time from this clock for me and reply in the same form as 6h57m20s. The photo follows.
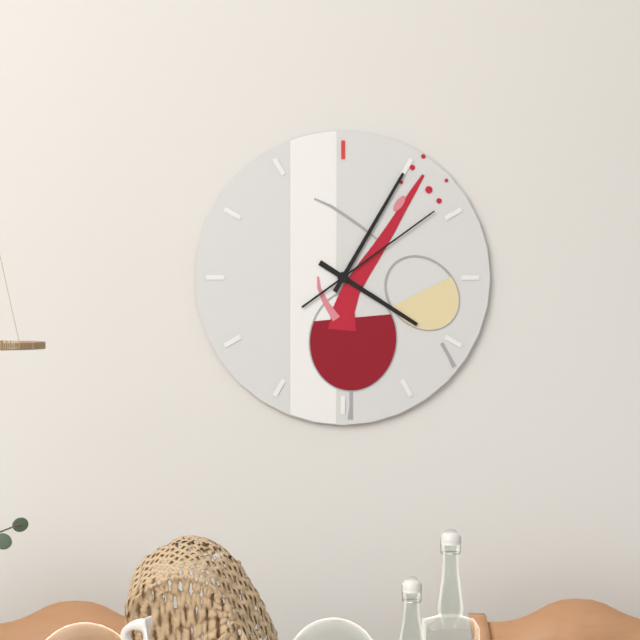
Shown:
4h05m09s
